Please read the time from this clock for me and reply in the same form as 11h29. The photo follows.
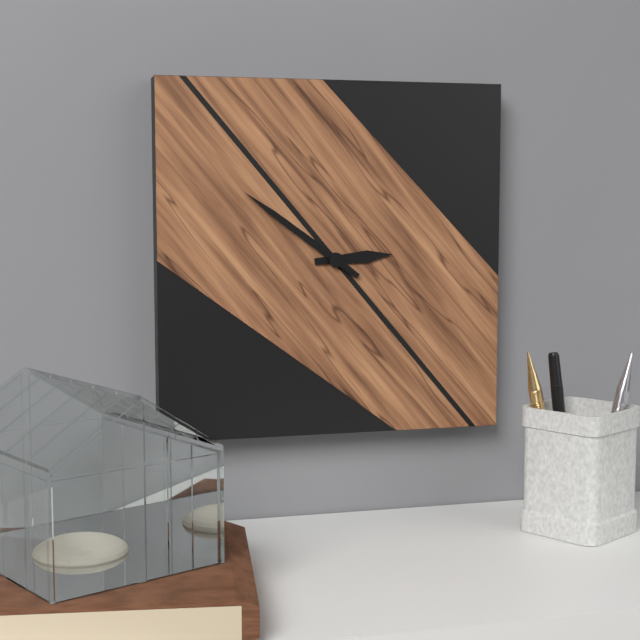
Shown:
2h51
